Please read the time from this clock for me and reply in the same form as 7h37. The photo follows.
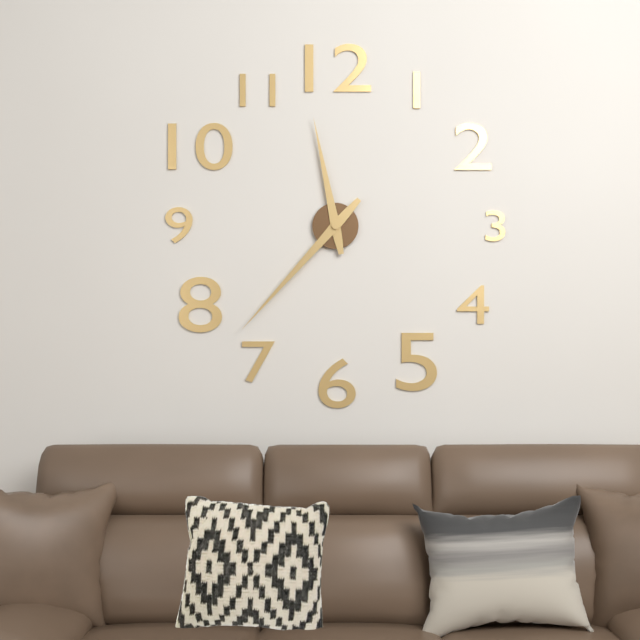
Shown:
11h37
